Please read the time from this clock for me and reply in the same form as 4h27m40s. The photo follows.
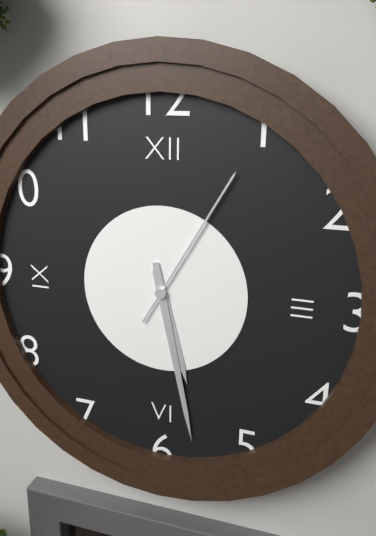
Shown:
5h28m05s
